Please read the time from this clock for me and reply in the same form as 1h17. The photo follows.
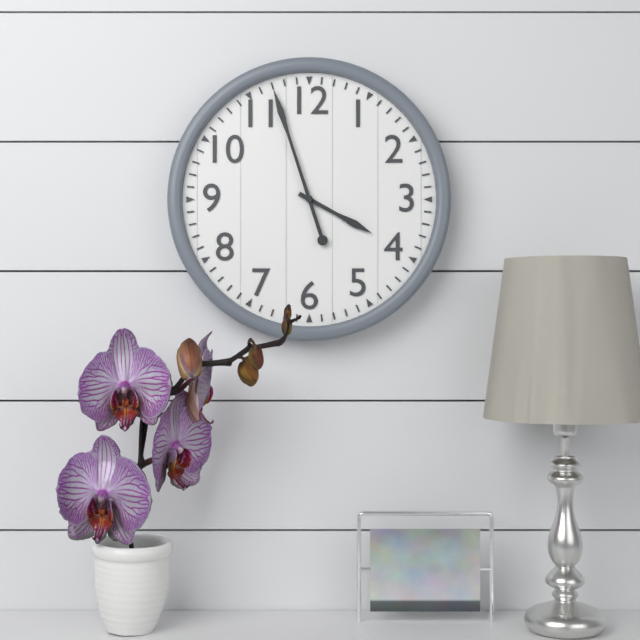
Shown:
3h57
